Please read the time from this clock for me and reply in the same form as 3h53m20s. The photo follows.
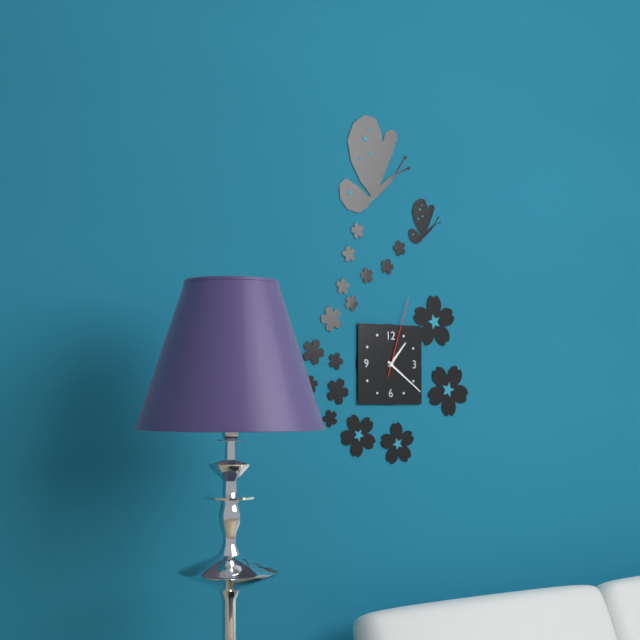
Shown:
1h21m03s
